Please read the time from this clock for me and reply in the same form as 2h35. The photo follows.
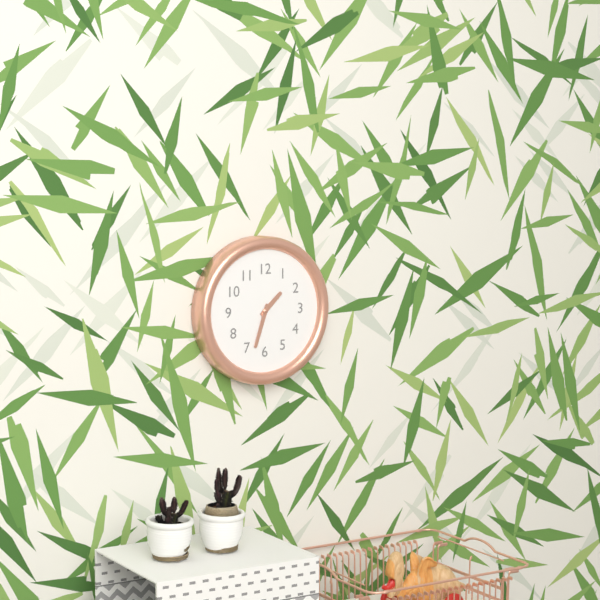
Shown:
1h33
